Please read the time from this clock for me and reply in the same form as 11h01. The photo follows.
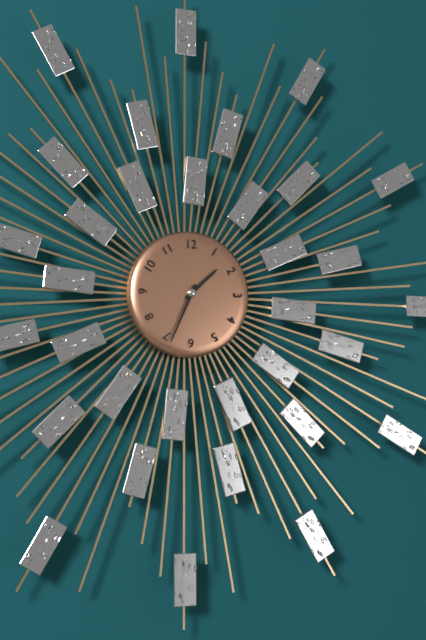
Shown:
1h34
